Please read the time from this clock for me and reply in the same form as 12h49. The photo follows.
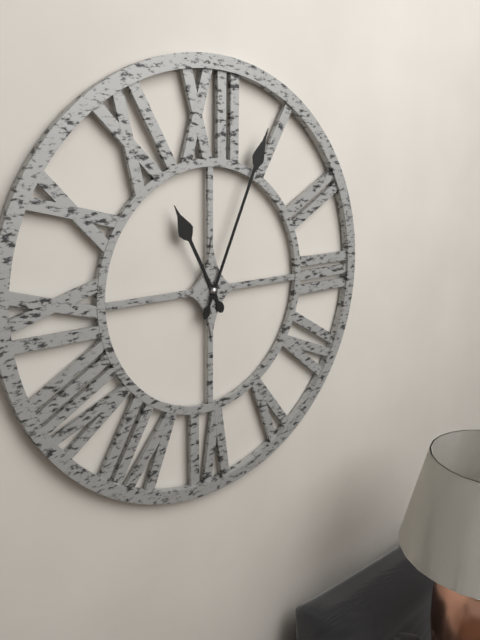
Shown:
11h04
